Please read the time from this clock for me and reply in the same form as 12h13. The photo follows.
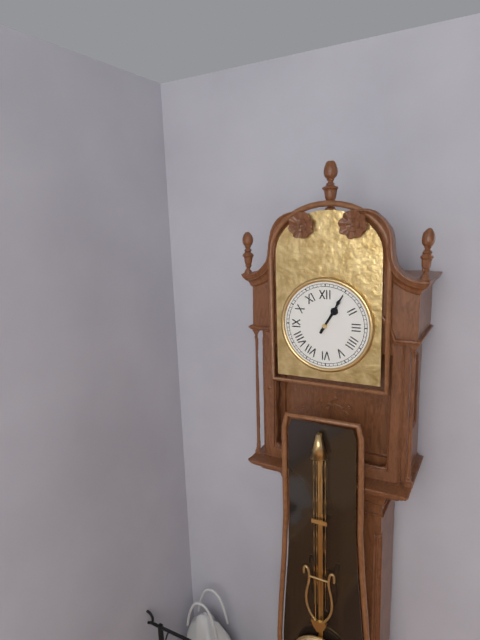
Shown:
1h05
